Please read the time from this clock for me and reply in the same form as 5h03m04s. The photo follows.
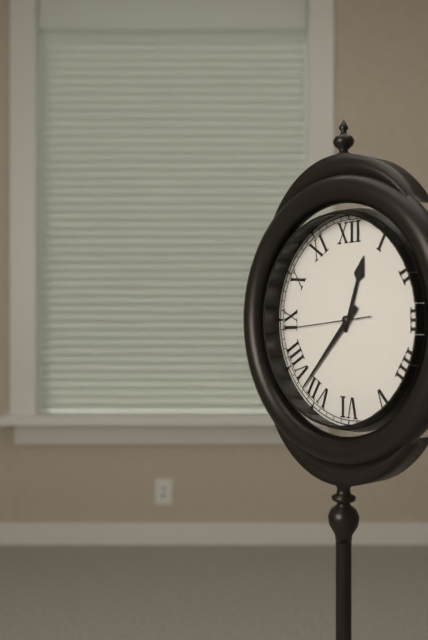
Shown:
12h37m44s
